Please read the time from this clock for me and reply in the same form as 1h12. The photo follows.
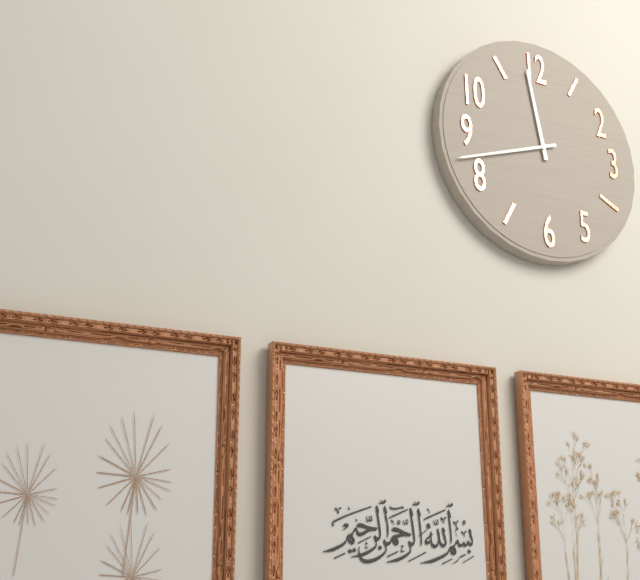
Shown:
11h42
